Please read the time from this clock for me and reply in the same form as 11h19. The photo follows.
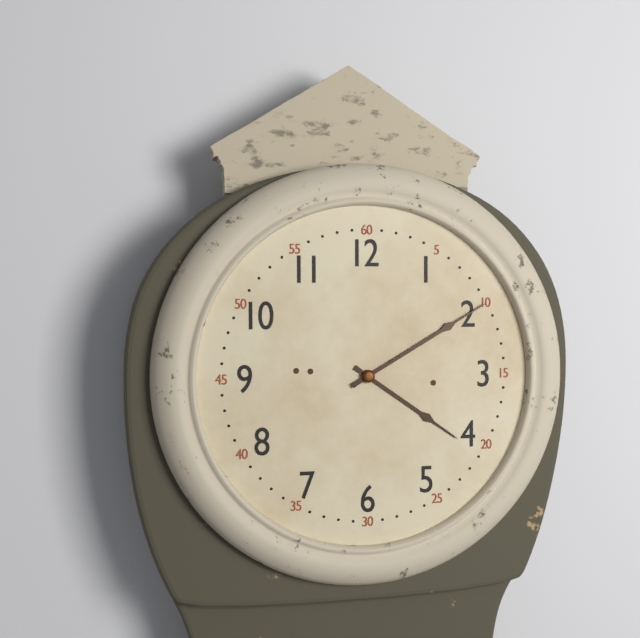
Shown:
4h10
